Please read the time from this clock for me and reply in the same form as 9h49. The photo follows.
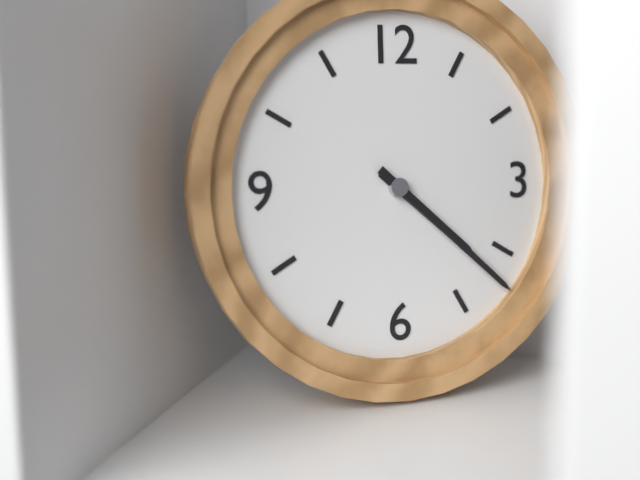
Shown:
4h22
